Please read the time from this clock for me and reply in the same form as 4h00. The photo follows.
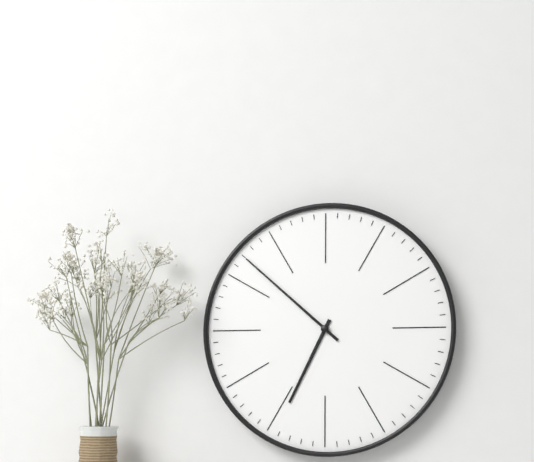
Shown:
6h52
